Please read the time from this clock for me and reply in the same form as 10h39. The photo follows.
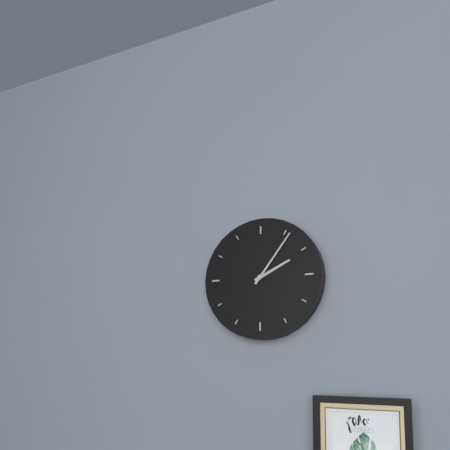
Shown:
2h06
